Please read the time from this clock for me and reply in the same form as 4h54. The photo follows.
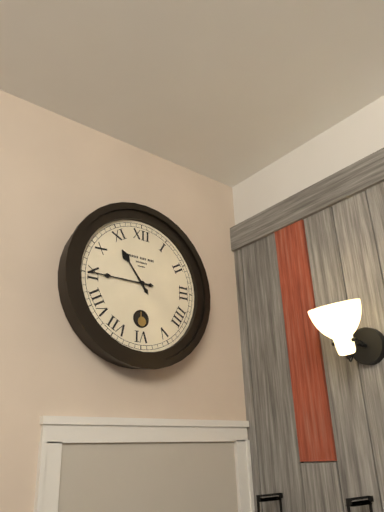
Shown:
10h45
